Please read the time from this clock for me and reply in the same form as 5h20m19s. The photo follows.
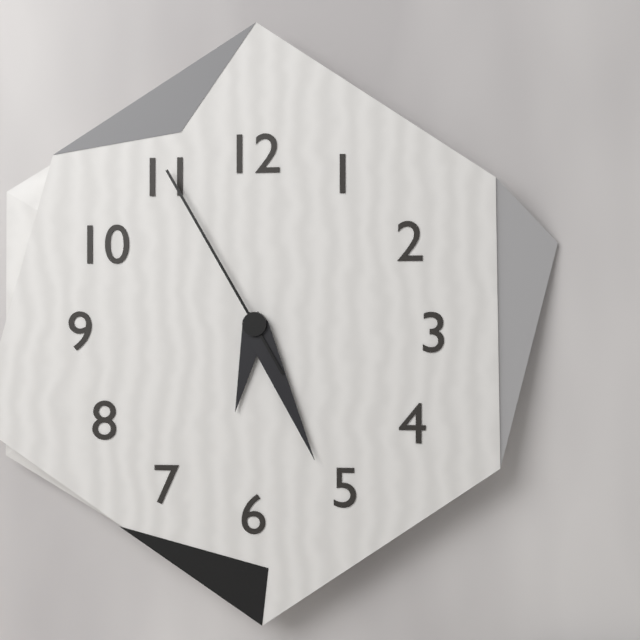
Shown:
6h26m55s
